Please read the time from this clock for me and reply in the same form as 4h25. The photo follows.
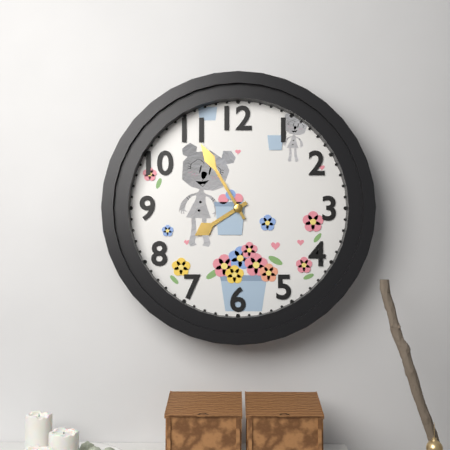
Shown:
7h55
